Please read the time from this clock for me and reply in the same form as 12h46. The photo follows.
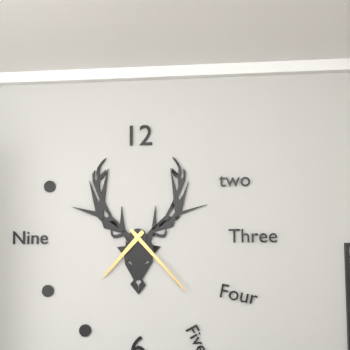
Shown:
7h23
